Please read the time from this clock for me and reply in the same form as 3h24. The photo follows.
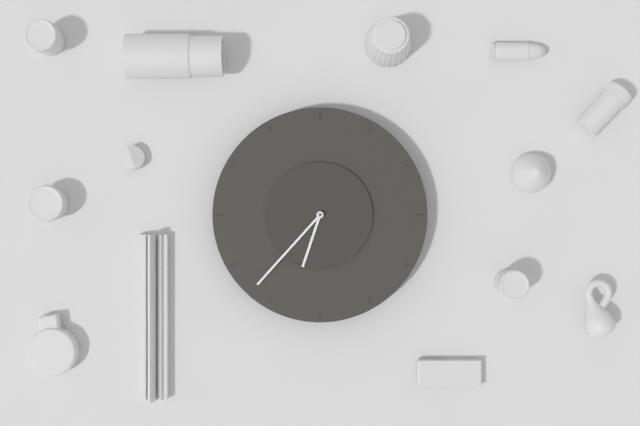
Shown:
6h37
